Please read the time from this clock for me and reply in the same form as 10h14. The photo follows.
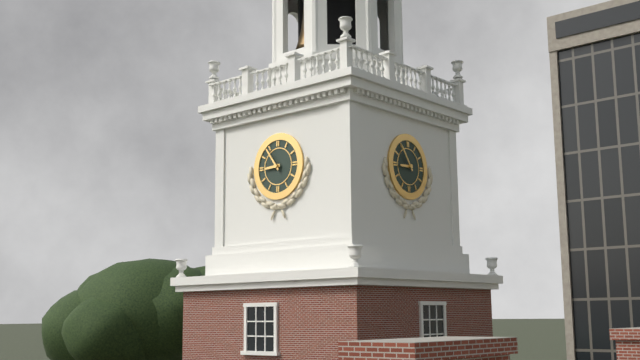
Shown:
8h54
